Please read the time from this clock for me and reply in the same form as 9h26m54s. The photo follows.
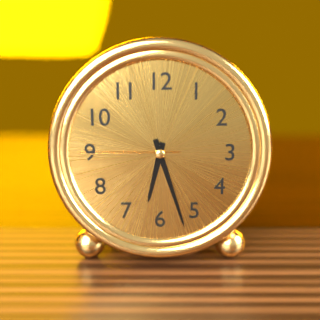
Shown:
6h27m45s
